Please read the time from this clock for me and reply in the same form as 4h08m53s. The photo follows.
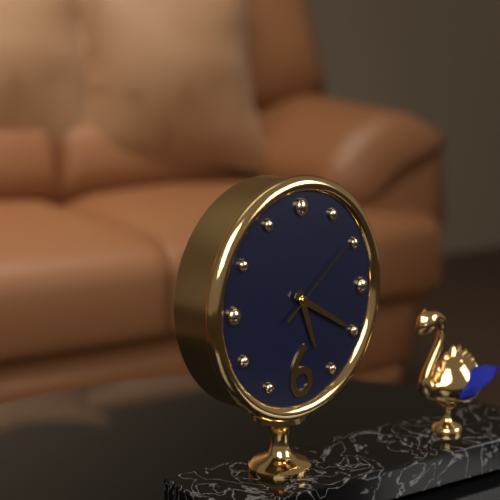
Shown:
5h20m09s
